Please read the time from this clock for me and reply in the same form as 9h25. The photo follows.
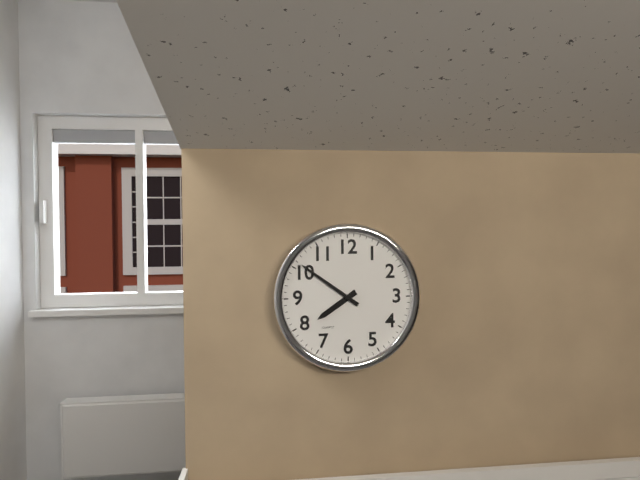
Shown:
7h51
